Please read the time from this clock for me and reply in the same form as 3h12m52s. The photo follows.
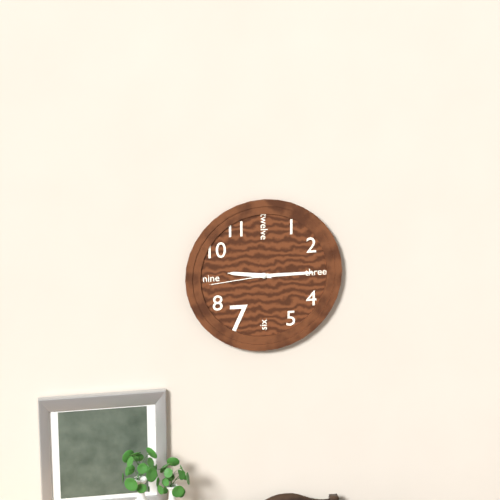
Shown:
9h15m44s
